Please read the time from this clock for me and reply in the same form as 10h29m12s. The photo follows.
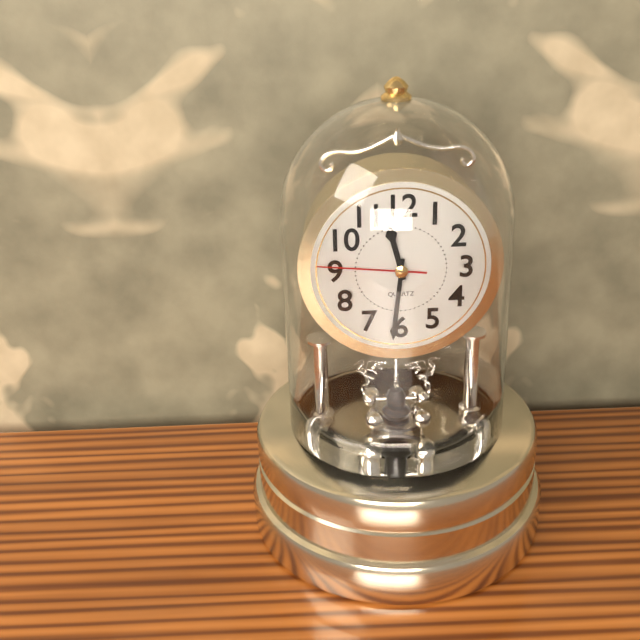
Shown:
11h31m46s
